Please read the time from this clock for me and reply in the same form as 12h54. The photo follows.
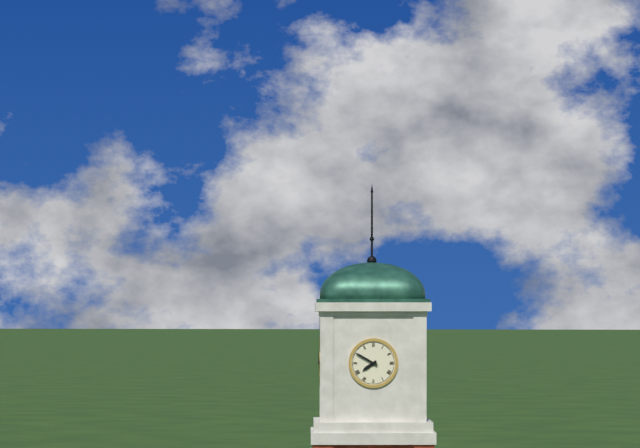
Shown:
7h50
